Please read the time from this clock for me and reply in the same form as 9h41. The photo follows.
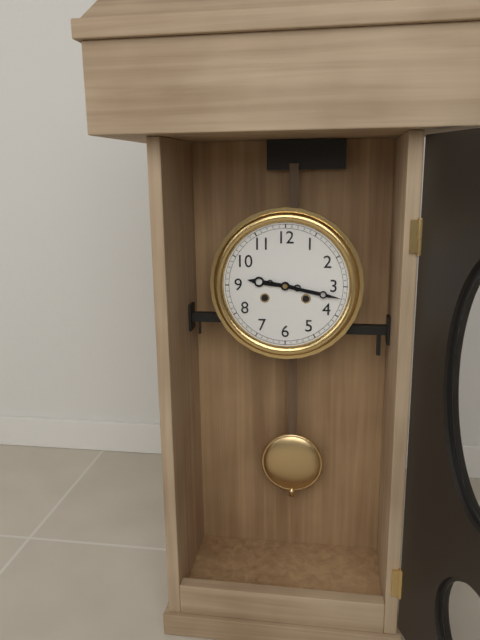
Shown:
9h17
